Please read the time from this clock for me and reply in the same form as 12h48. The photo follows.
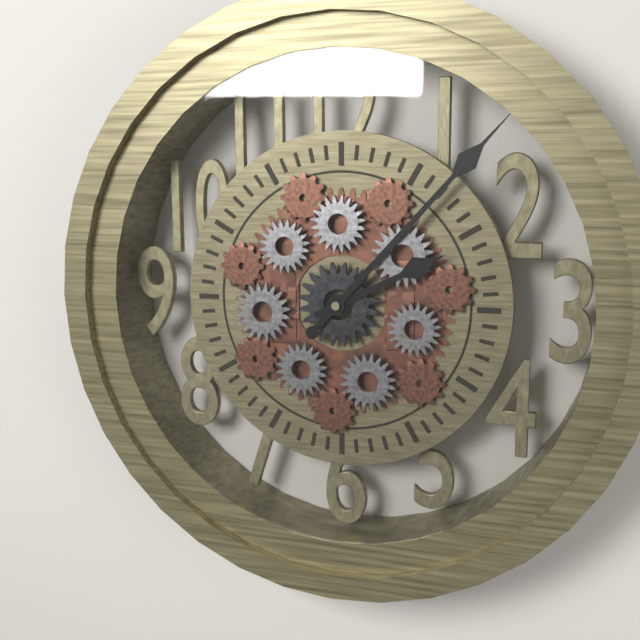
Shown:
2h07
